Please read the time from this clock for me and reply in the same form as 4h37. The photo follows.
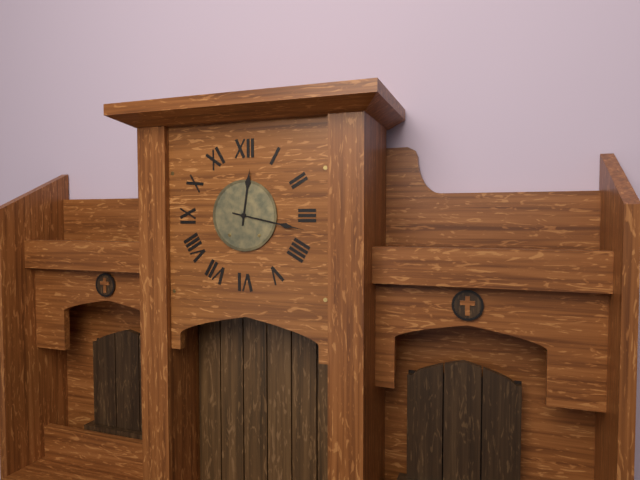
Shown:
12h17
